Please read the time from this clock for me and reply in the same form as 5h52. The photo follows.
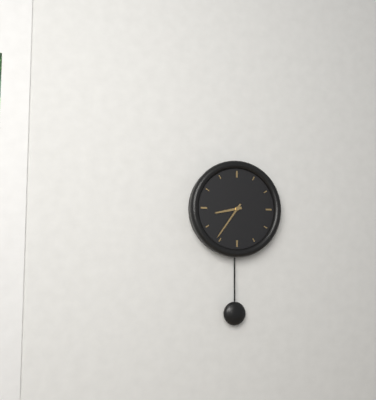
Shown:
8h36
